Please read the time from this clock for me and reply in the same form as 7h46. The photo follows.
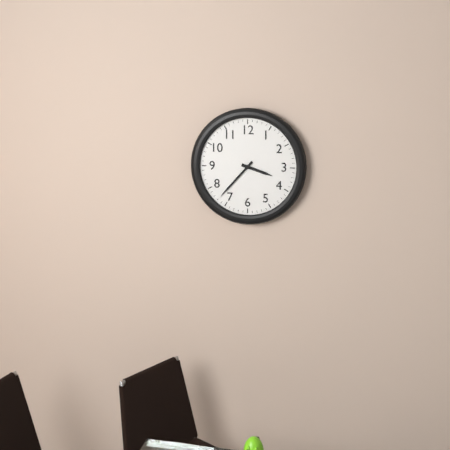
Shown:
3h37
